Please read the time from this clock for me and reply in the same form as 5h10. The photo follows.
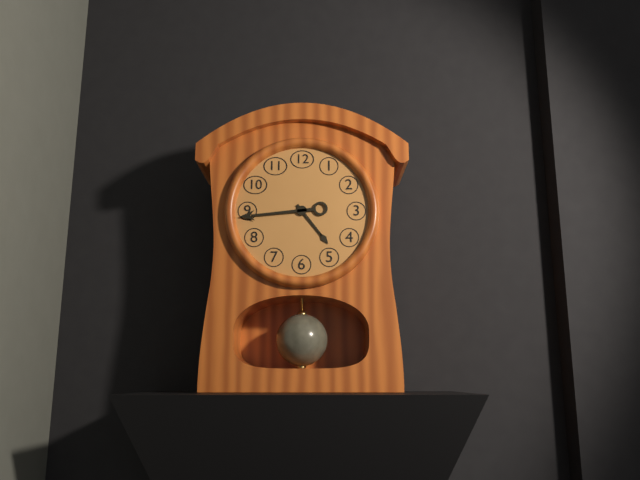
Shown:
4h44
